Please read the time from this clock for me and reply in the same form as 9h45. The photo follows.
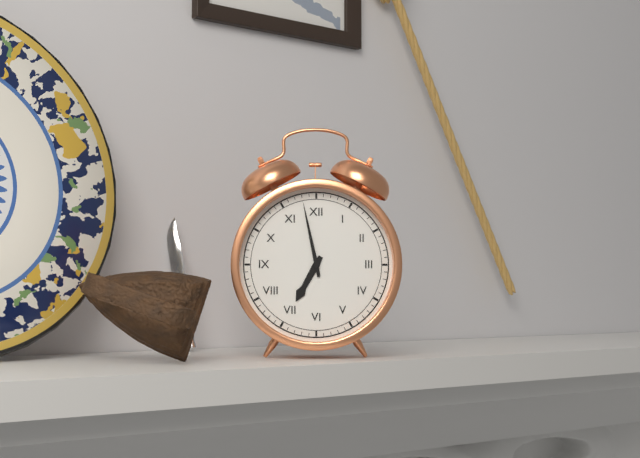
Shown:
6h58
